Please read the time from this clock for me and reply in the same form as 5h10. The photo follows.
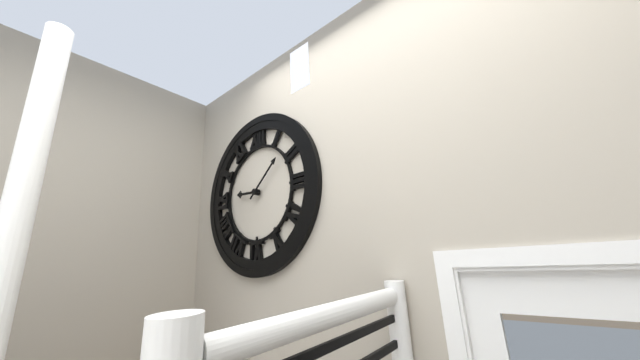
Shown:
9h08
